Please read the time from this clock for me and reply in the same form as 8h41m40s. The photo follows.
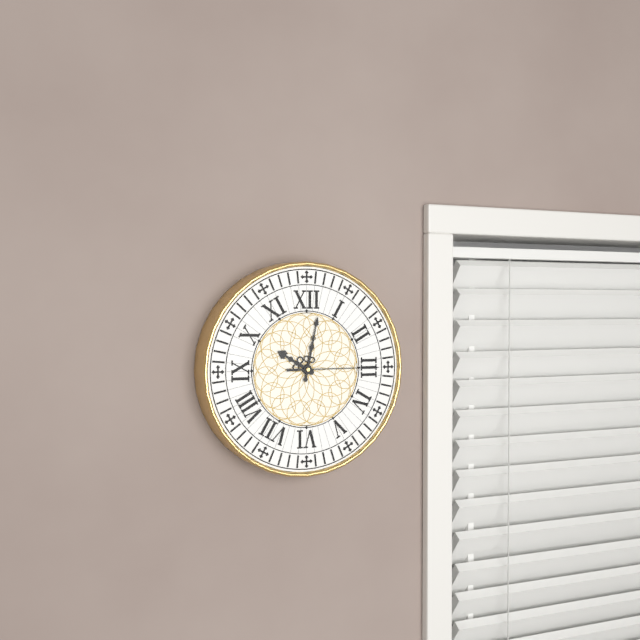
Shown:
10h02m15s
